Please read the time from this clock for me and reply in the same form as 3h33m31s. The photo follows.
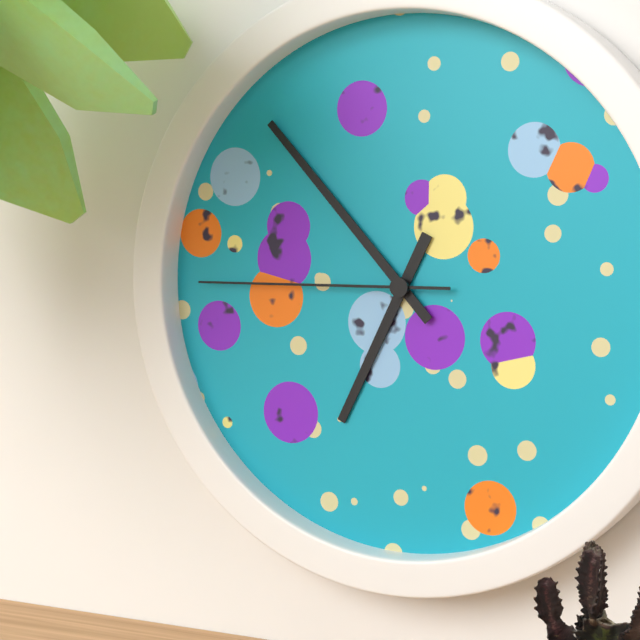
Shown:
6h53m45s
